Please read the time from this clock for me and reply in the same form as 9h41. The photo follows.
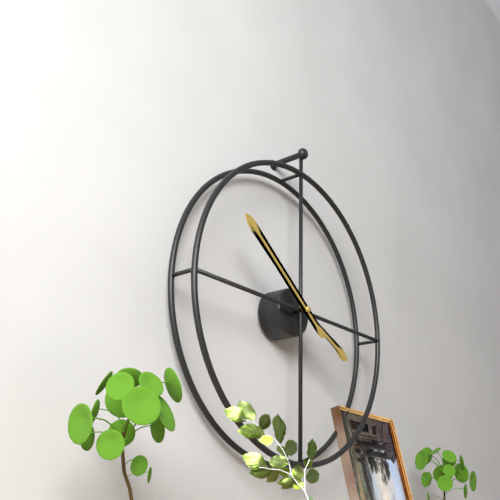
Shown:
3h51
